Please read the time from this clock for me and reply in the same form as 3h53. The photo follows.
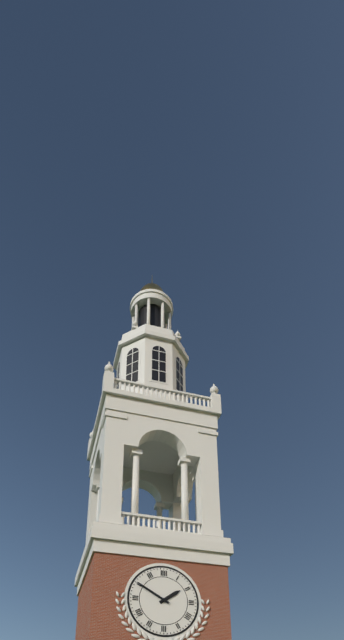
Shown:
1h50
